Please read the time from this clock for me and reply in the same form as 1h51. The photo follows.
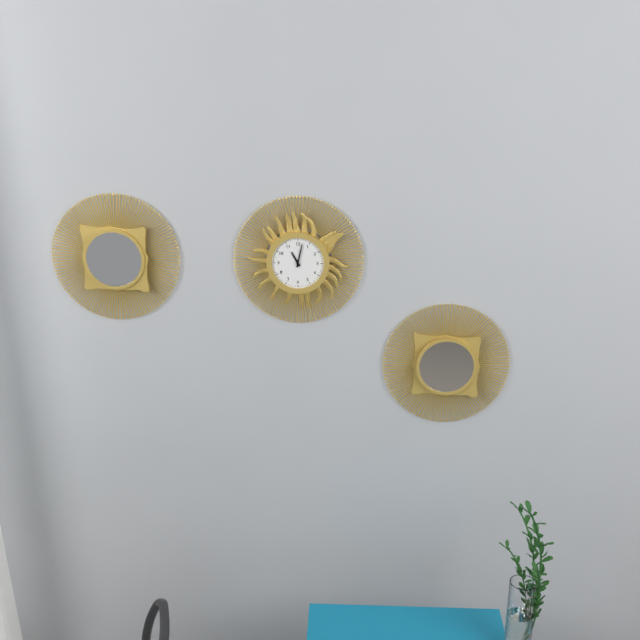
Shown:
11h02
